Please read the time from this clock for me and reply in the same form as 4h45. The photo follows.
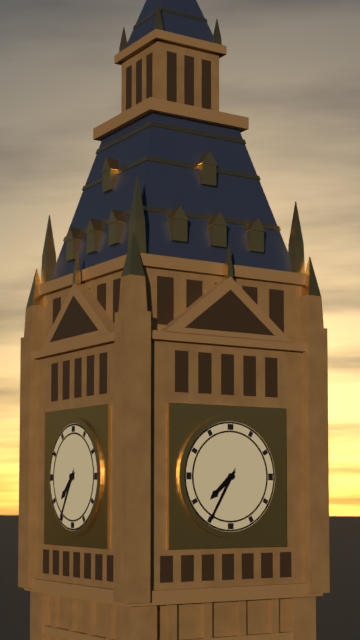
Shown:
7h35
